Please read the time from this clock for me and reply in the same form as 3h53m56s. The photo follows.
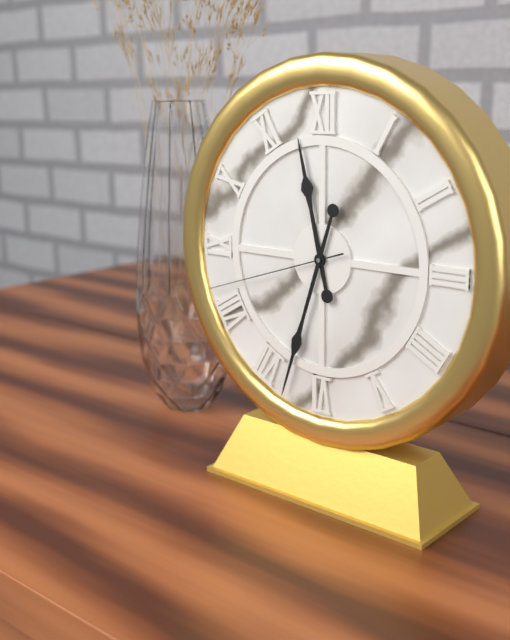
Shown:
11h33m42s
